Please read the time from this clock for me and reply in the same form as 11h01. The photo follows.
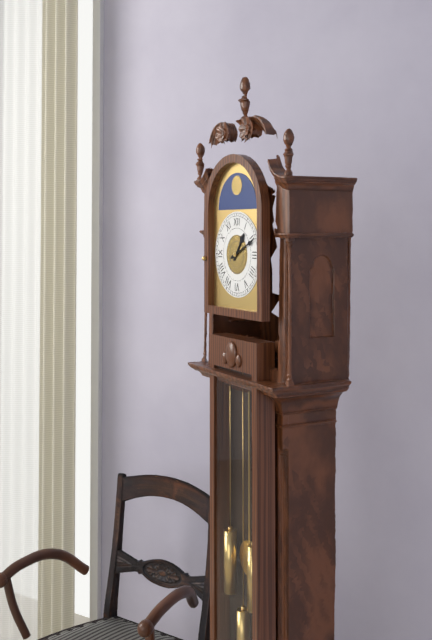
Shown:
1h11
